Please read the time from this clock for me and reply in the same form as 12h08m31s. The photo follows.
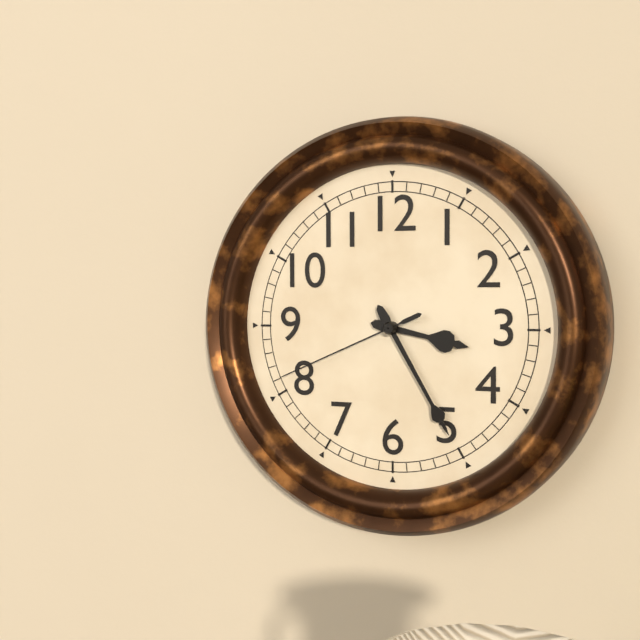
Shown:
3h25m41s
